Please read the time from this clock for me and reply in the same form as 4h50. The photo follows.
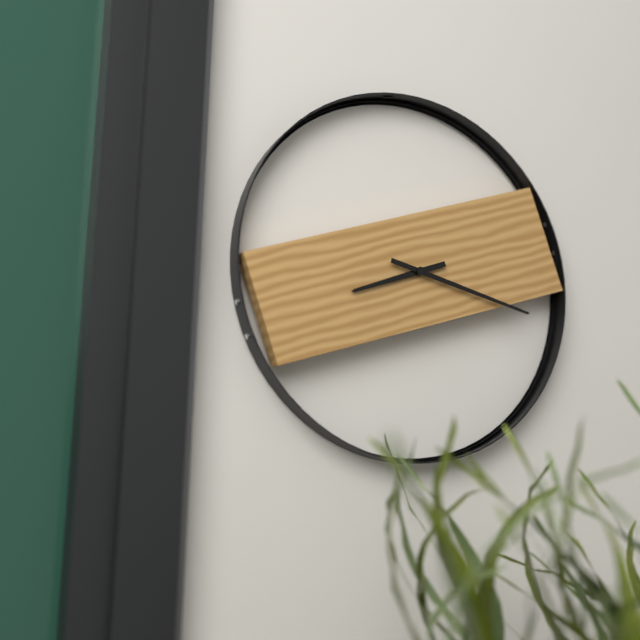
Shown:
8h17
